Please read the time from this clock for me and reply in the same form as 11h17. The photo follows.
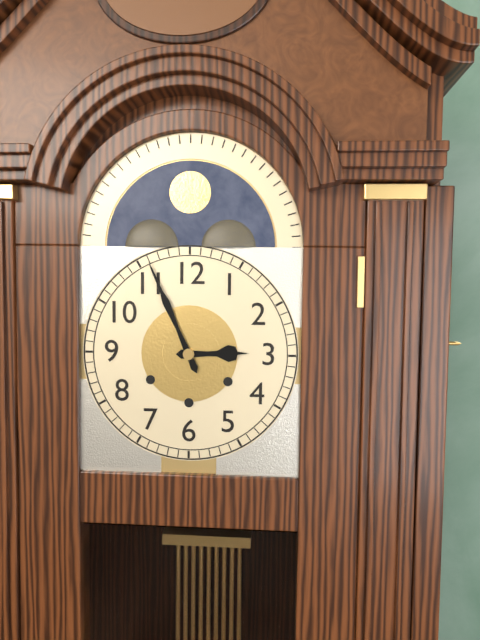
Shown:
2h56
